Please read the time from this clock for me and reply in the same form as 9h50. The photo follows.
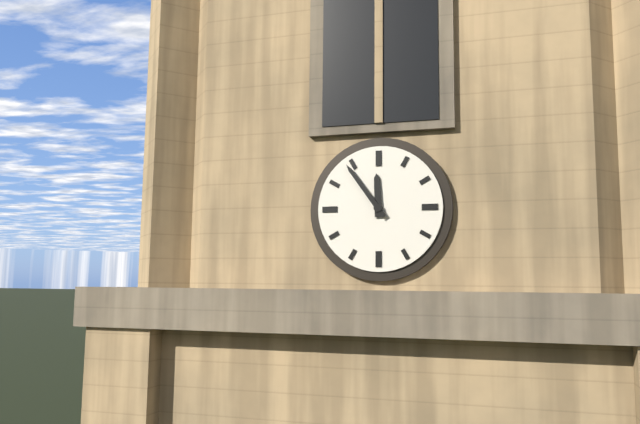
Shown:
11h54
